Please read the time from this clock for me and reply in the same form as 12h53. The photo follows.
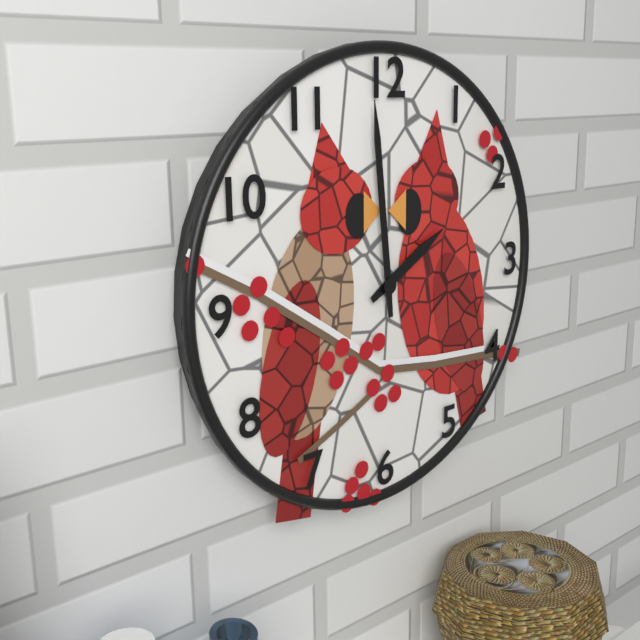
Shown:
1h59
